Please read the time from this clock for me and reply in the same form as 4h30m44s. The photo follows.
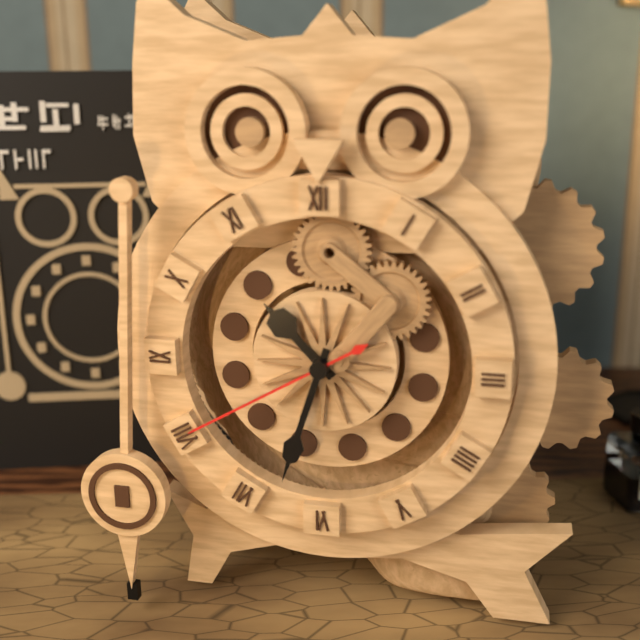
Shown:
10h33m40s
